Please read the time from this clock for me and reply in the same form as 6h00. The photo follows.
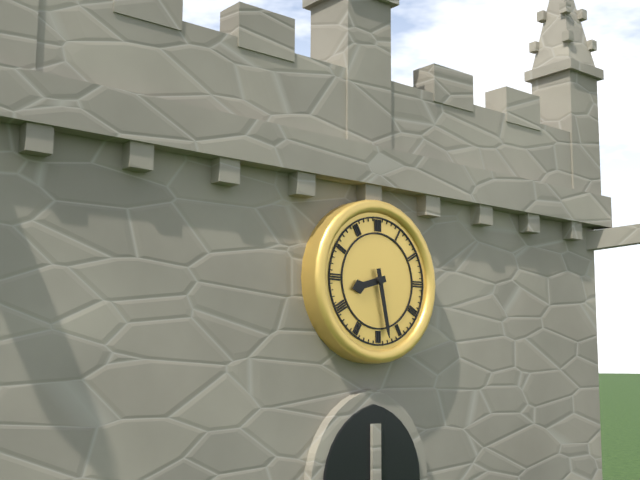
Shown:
8h28
